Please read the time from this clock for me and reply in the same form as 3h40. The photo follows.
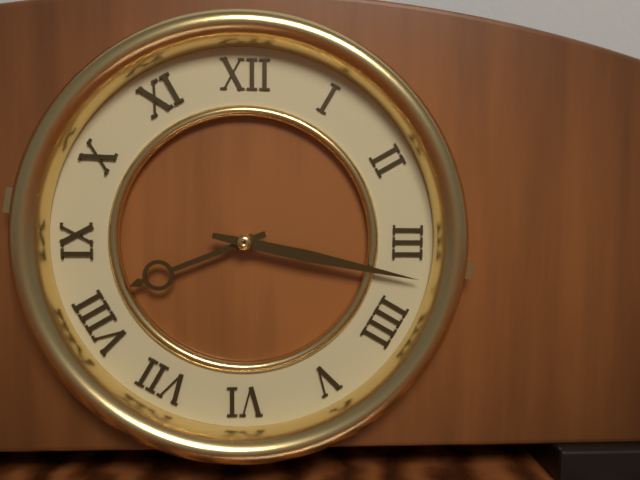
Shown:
8h17
